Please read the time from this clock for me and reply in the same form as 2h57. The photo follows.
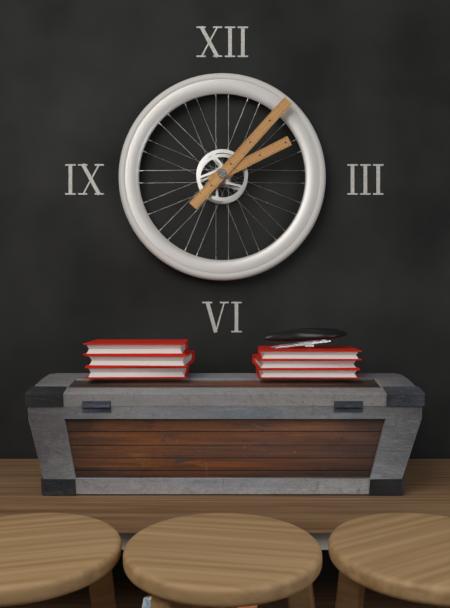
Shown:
2h07
